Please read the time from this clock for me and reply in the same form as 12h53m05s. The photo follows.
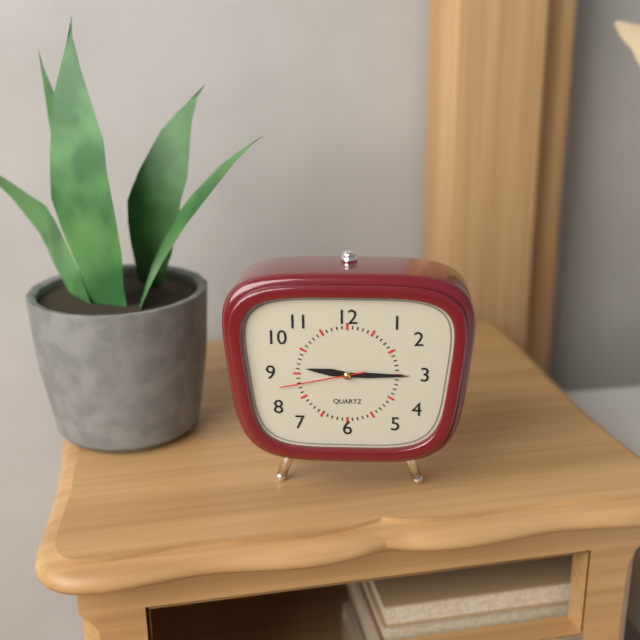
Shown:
9h15m43s
